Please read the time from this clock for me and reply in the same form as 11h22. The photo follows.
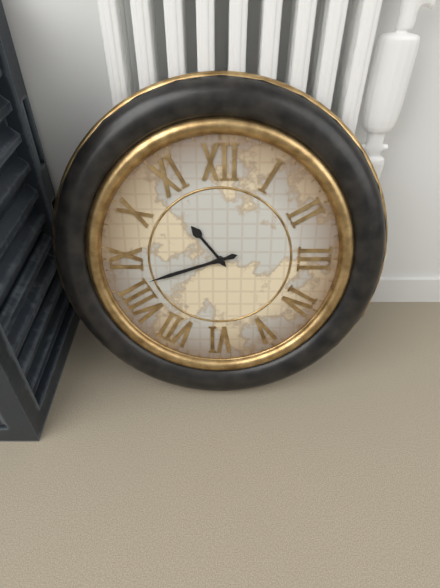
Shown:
10h42
